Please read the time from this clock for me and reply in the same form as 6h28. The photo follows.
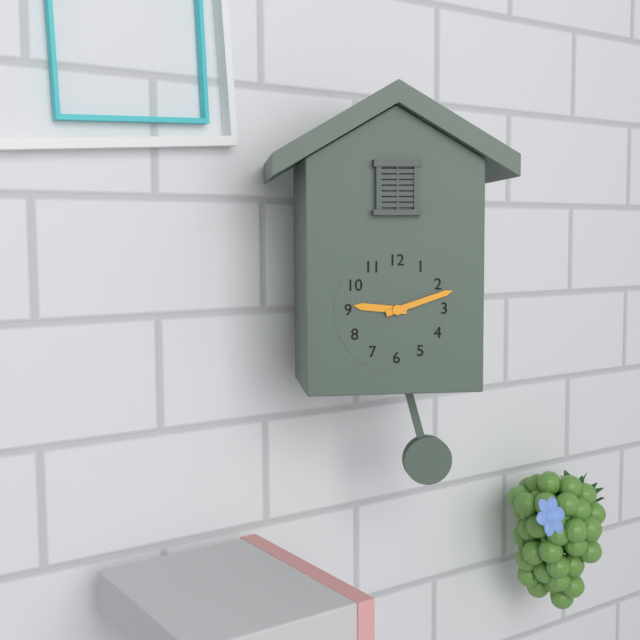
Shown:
9h12
